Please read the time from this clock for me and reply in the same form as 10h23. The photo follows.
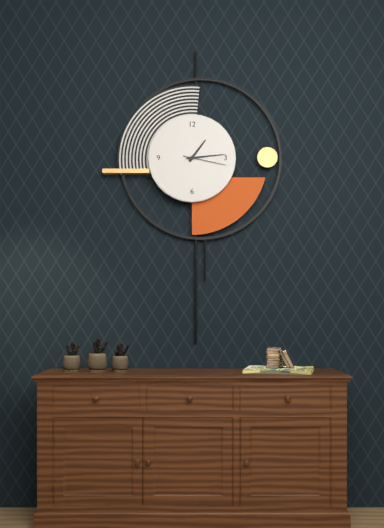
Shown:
1h14
